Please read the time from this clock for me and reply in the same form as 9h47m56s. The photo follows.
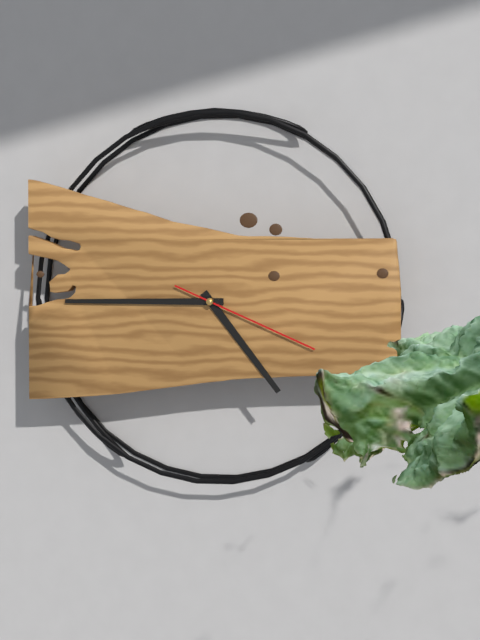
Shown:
4h45m19s
